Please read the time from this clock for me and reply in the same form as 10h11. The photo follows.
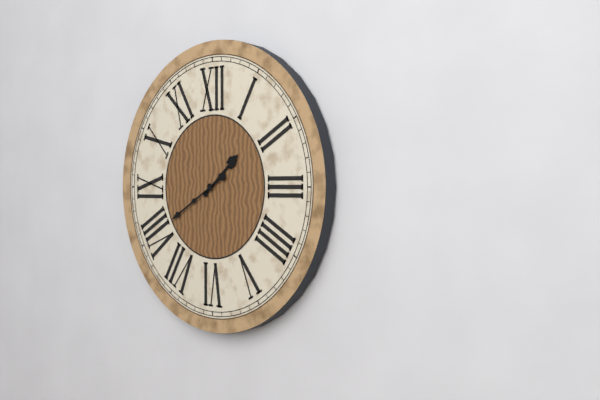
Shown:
1h40
